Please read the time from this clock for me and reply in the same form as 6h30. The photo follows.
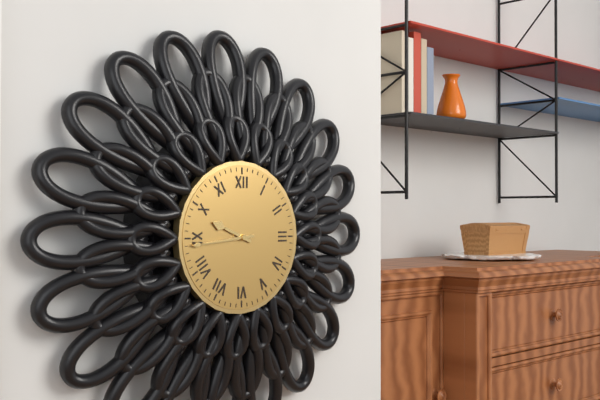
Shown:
9h44
